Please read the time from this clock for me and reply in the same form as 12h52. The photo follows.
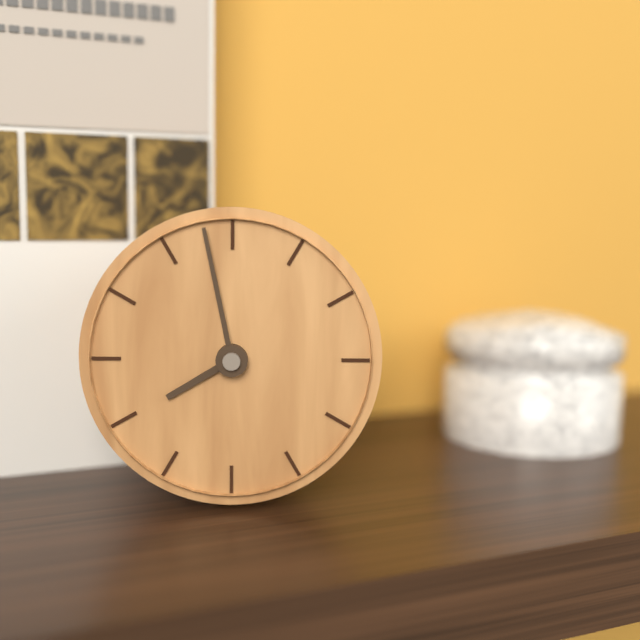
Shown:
7h58
